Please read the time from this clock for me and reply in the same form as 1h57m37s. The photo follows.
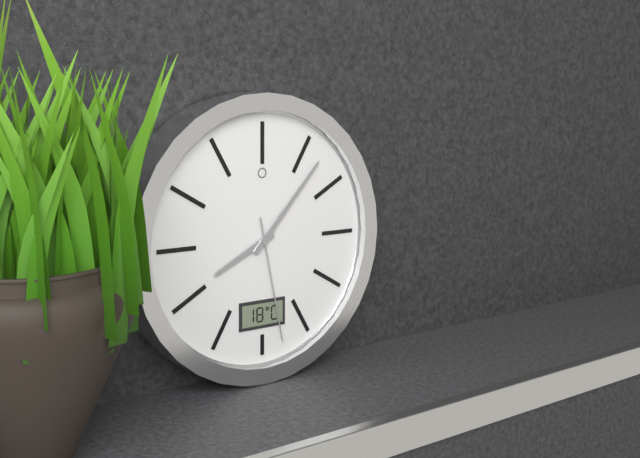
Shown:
8h07m28s
